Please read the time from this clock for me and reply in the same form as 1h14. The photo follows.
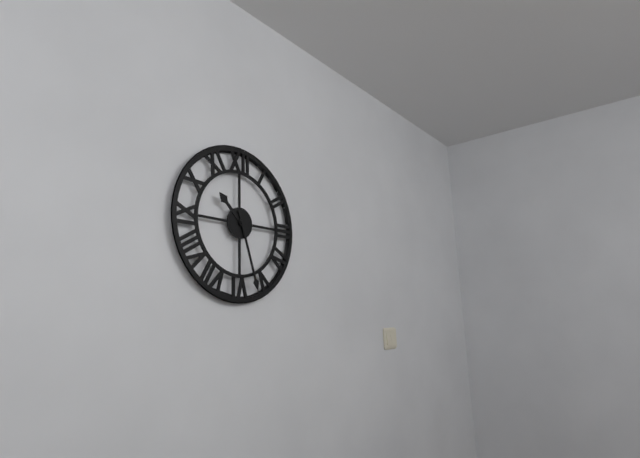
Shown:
10h27
